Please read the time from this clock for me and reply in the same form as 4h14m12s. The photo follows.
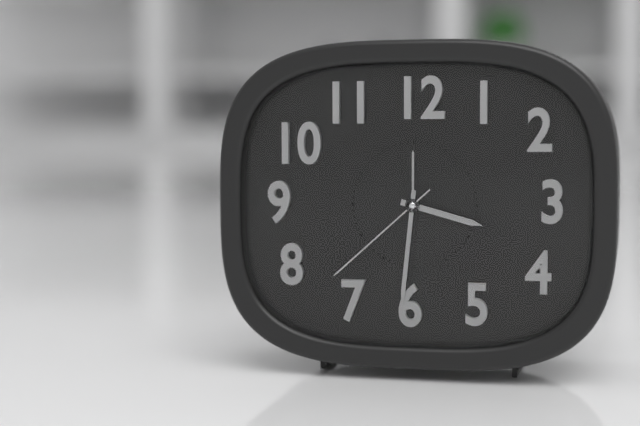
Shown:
3h31m38s
